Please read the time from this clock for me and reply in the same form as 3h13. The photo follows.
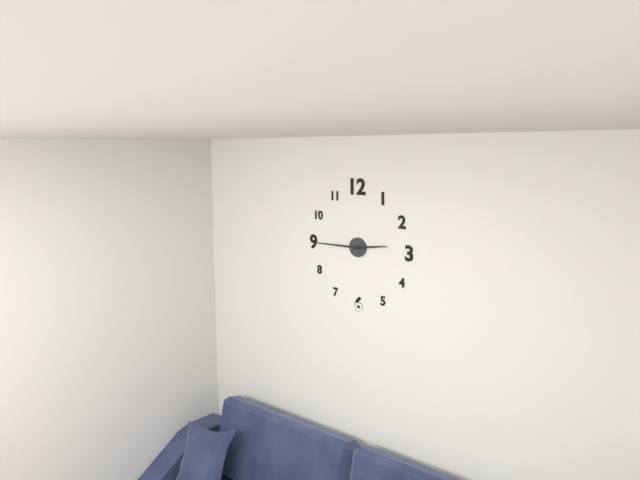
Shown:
2h45
